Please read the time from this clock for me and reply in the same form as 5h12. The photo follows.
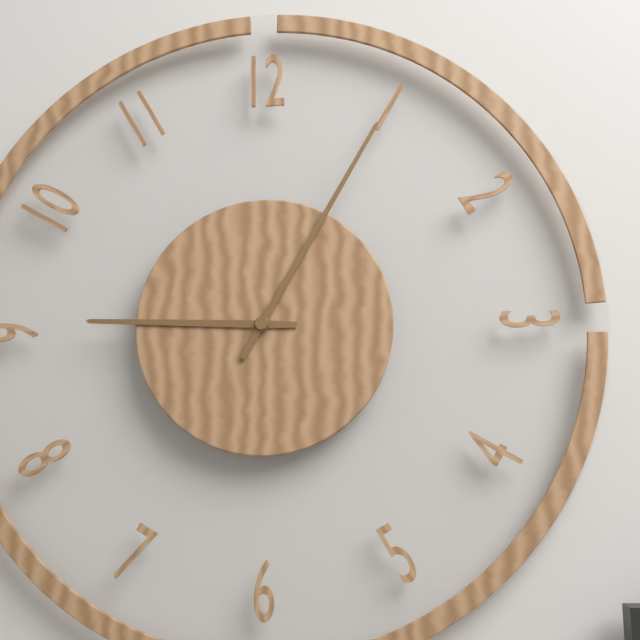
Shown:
9h05
